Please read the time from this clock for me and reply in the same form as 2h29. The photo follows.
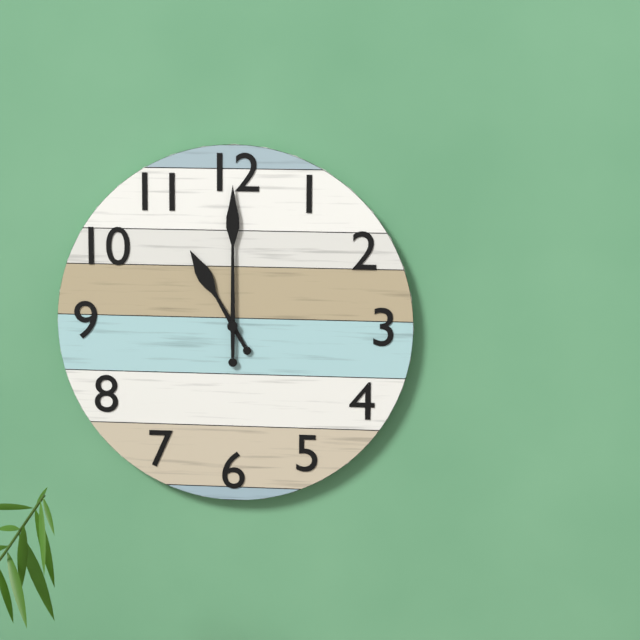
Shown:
11h00
